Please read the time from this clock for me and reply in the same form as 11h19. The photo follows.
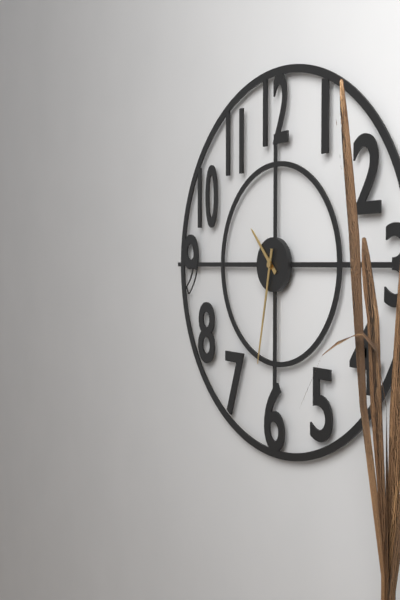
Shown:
10h32
